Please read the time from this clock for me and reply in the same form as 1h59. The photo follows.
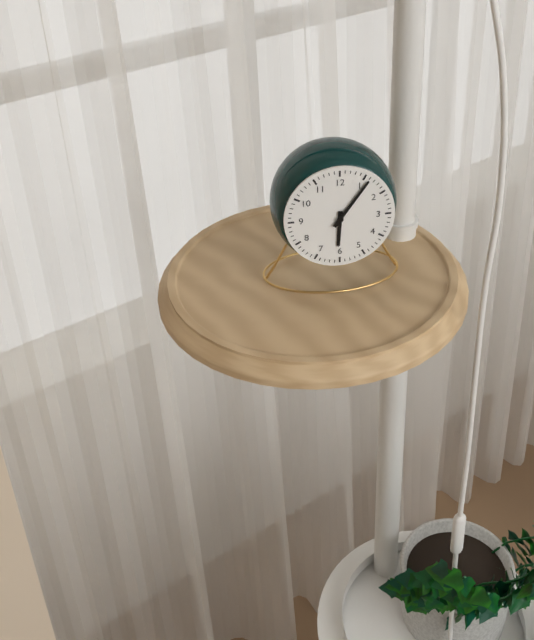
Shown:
6h06
